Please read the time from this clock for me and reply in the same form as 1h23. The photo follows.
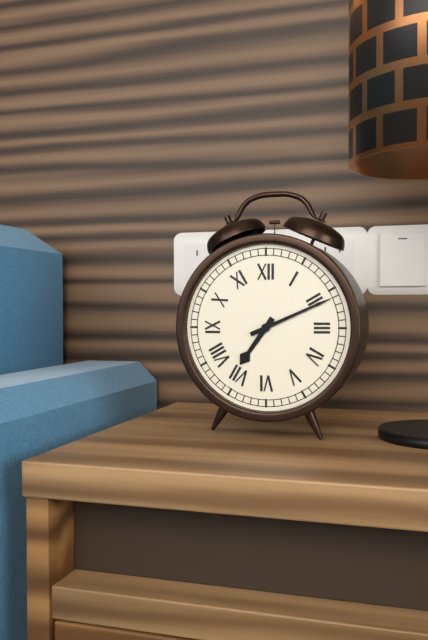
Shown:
7h11
